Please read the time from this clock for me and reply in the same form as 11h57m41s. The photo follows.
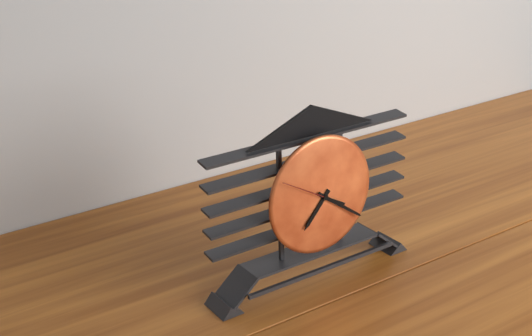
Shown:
7h21m50s
